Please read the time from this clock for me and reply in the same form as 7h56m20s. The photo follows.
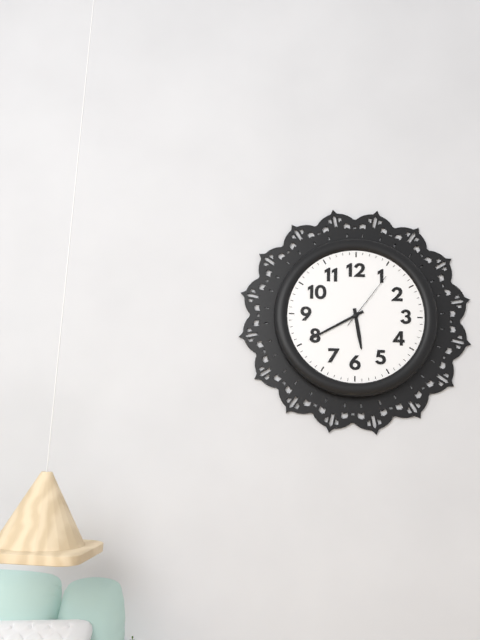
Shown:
5h40m06s
